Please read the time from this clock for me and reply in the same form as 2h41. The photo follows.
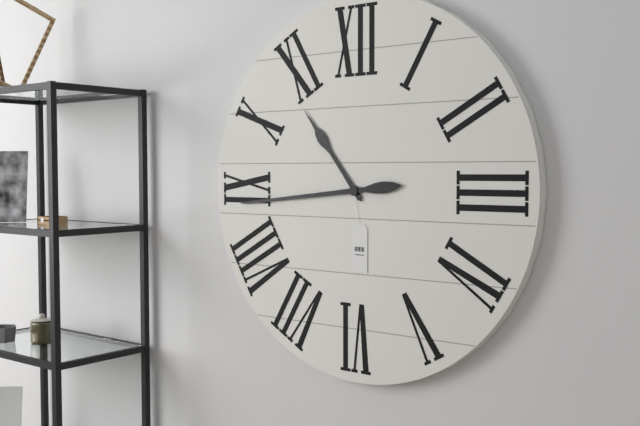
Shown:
10h44
